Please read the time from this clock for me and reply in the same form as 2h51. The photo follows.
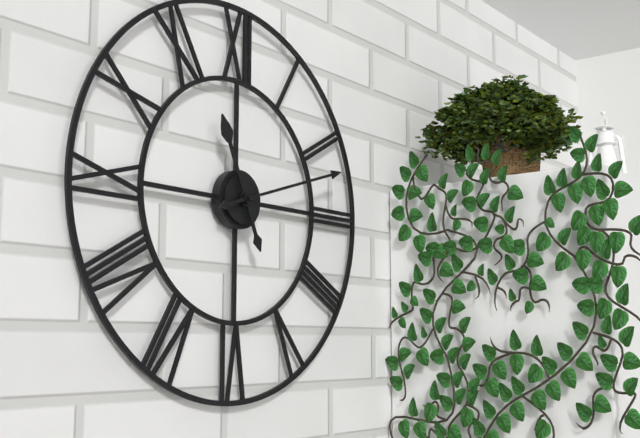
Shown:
11h12
